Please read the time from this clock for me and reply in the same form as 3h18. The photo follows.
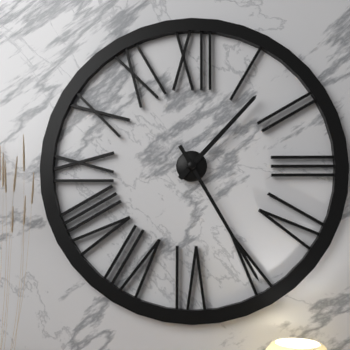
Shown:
1h25
